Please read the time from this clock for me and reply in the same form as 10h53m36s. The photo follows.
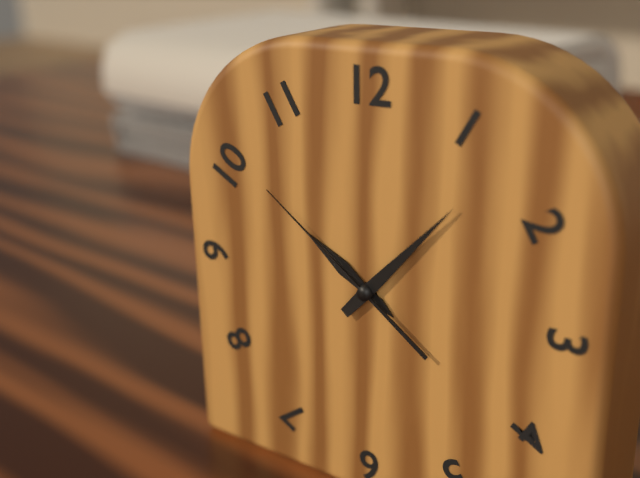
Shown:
10h07m51s
